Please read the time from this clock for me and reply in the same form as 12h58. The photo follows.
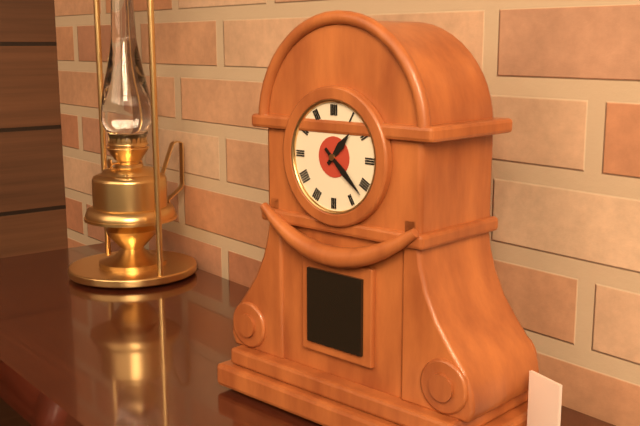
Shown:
1h22
